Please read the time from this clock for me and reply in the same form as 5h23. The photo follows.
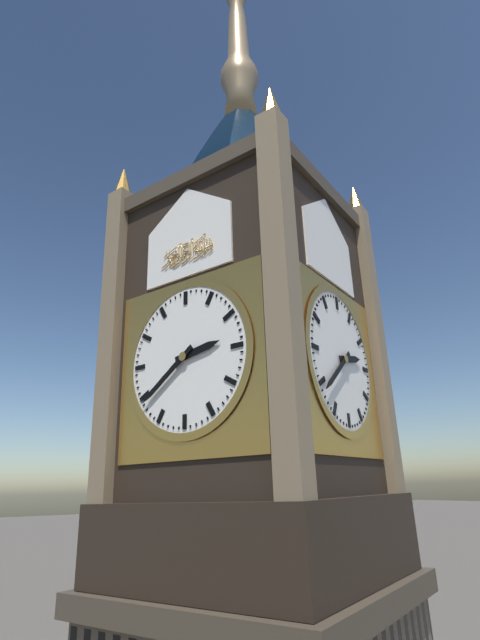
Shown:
2h39
